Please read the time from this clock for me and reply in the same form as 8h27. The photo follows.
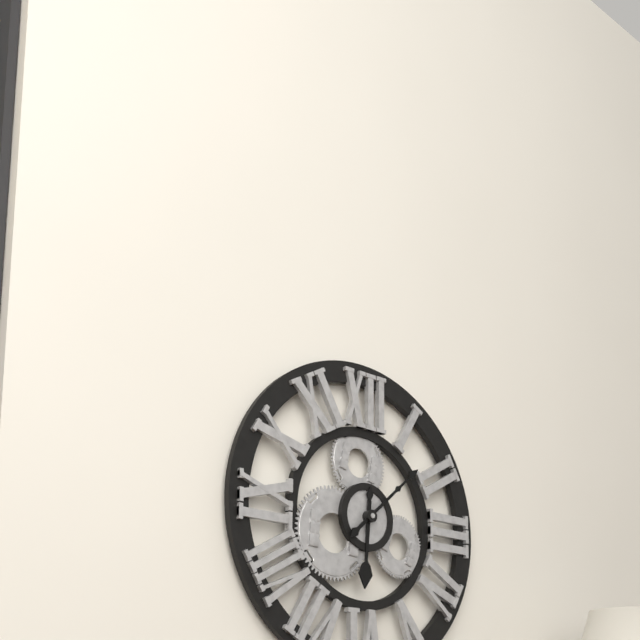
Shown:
6h08
